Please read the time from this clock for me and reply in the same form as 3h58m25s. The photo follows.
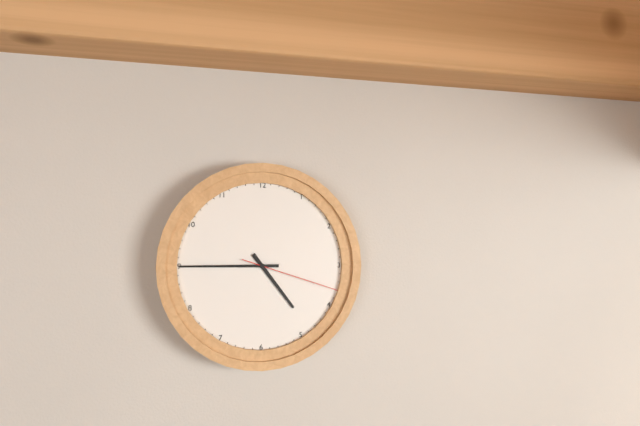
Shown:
4h45m18s
